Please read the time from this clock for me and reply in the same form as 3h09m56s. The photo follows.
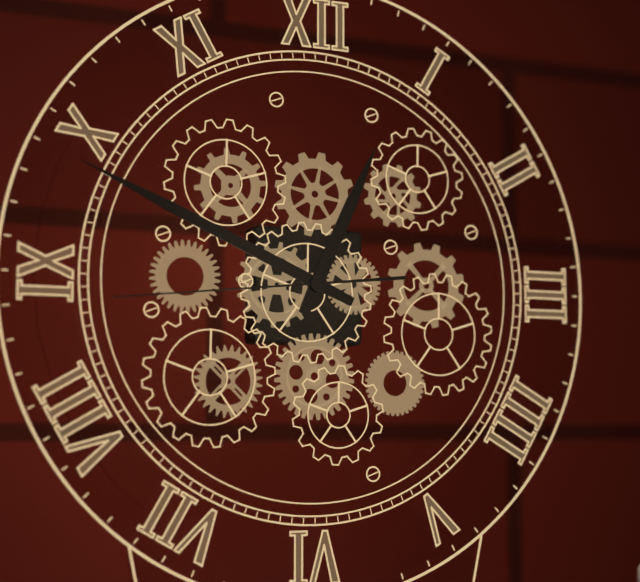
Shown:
12h49m44s
